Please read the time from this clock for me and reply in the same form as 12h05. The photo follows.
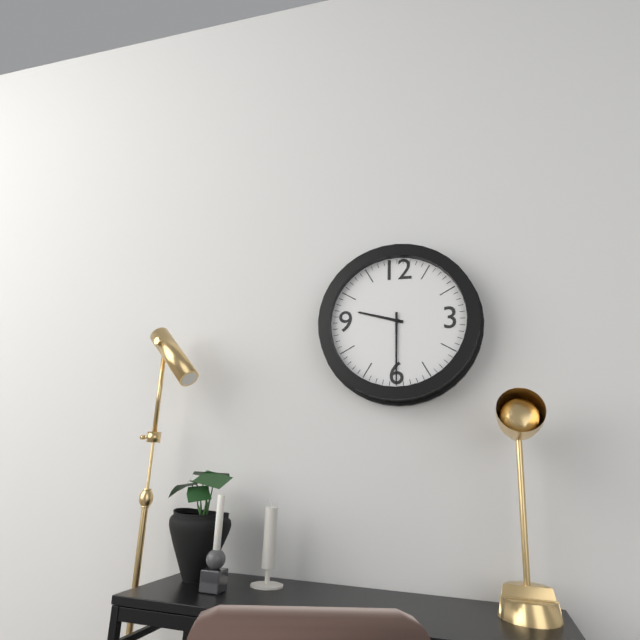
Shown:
9h30
